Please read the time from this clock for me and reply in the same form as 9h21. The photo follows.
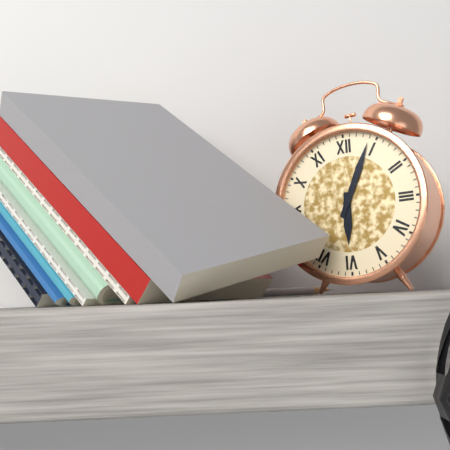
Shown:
6h04
